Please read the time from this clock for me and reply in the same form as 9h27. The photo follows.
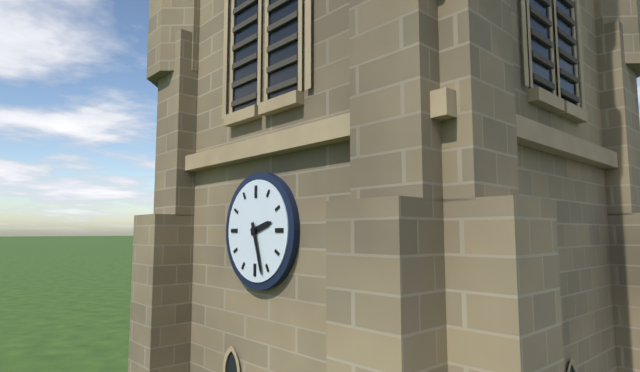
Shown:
2h27
